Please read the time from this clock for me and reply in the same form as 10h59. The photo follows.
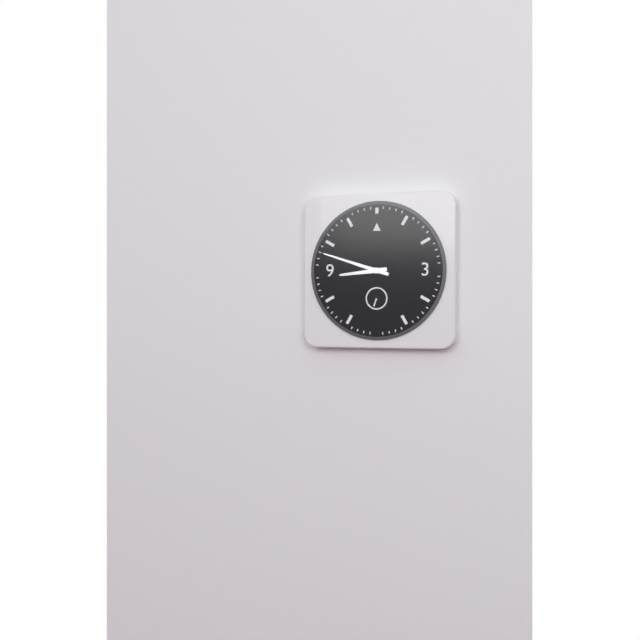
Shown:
8h48
